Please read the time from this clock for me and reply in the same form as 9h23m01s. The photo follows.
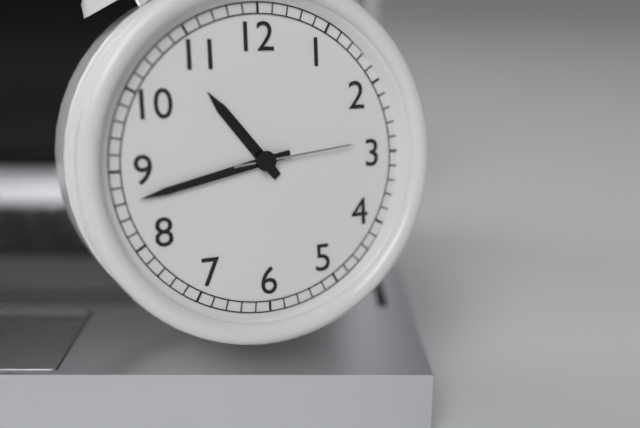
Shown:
10h43m14s
